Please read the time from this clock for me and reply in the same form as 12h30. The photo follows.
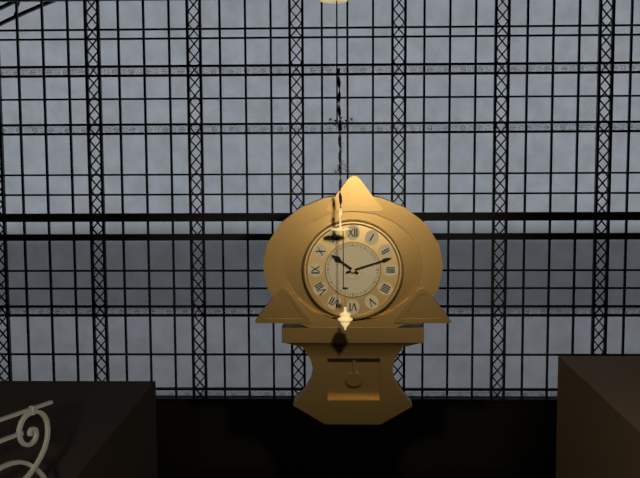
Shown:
10h12
